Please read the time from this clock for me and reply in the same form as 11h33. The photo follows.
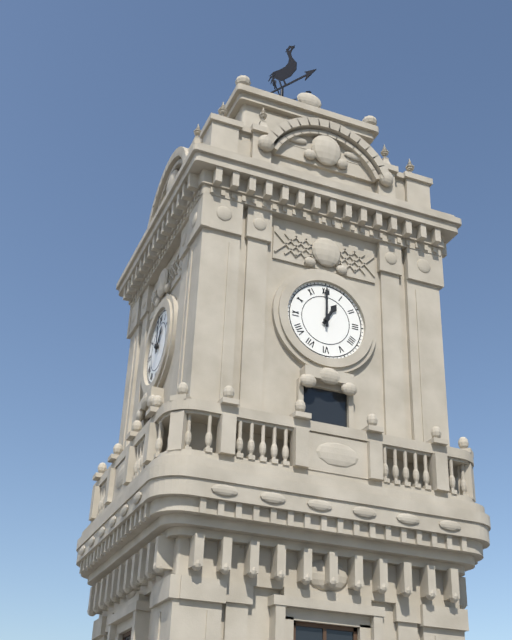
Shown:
1h00
